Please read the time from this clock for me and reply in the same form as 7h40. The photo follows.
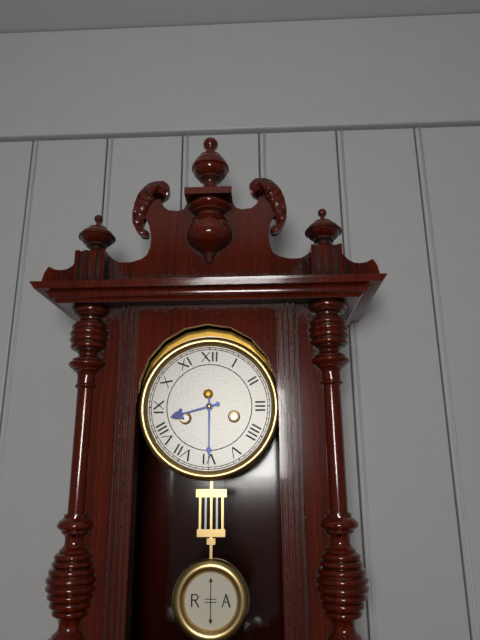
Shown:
8h30
